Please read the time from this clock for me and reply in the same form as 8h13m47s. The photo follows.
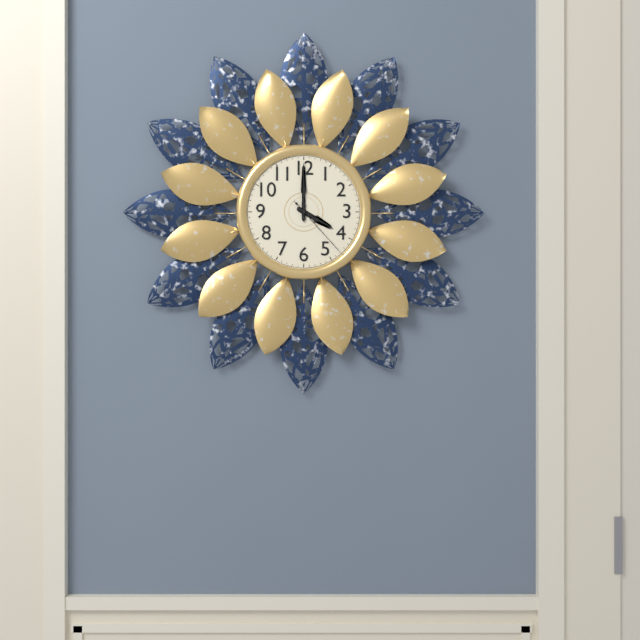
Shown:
4h00m23s
